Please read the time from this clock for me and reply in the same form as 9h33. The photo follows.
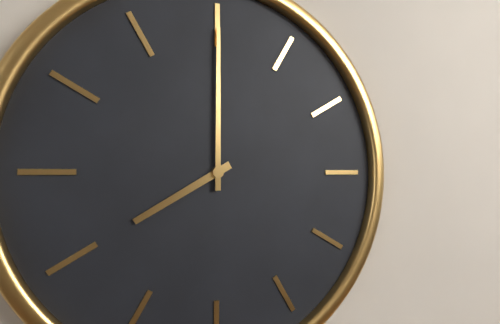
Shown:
8h00
